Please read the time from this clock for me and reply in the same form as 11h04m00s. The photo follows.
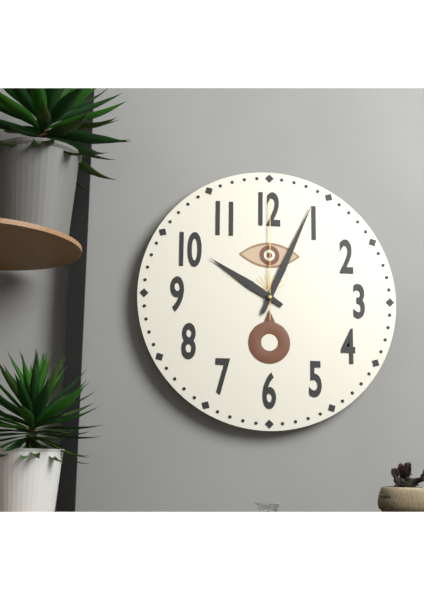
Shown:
10h04m00s
